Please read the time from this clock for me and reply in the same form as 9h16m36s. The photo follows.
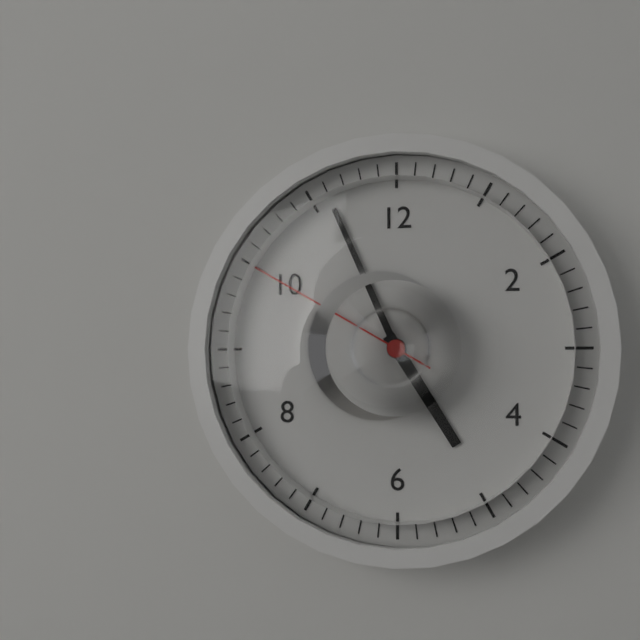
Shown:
4h56m50s
